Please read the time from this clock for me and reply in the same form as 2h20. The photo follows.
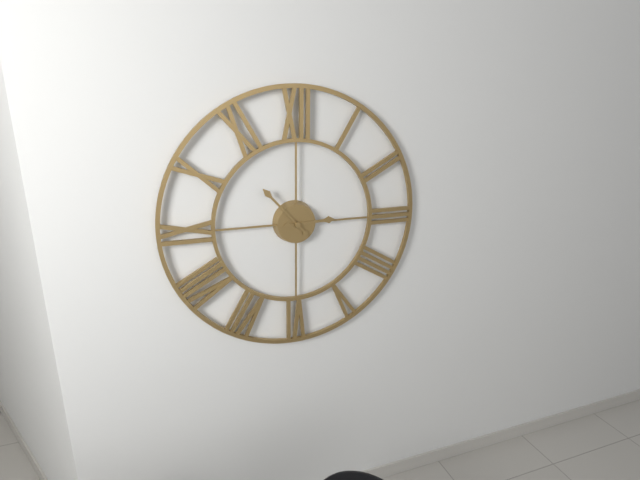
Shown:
2h53
